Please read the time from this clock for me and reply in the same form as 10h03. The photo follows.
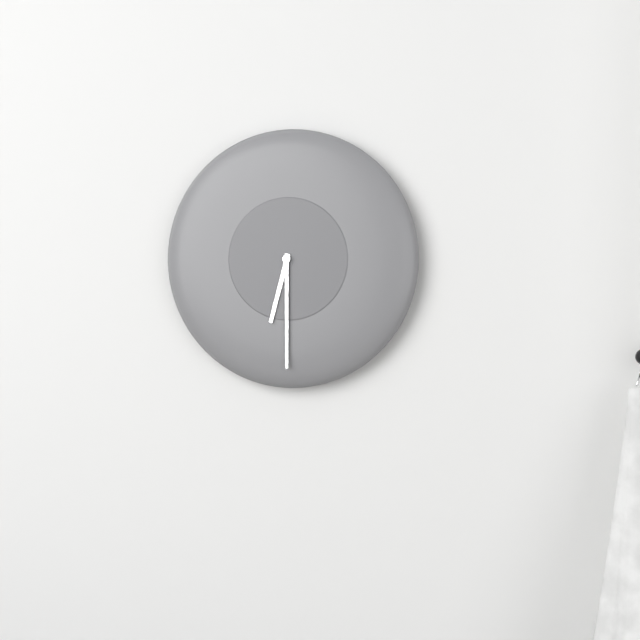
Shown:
6h30
